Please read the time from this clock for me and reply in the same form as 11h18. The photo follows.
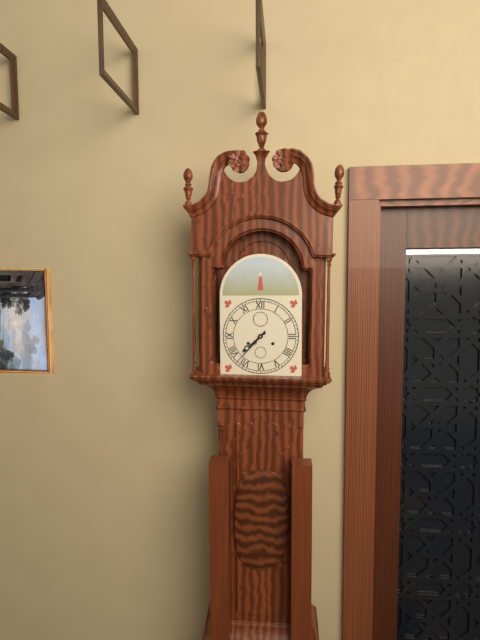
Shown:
7h37
